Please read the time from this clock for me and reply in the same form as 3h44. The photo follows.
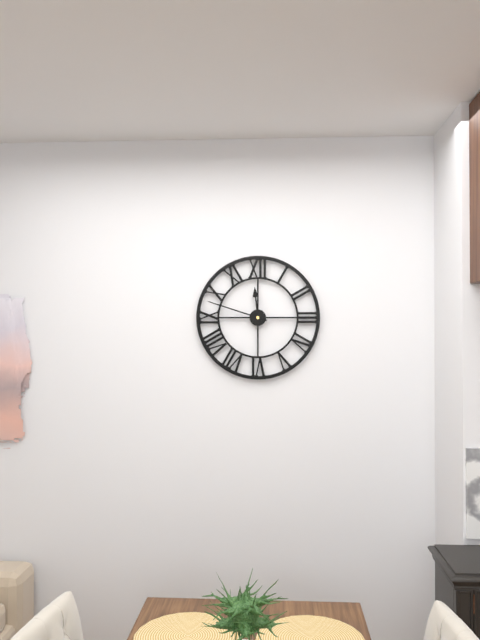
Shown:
11h48
